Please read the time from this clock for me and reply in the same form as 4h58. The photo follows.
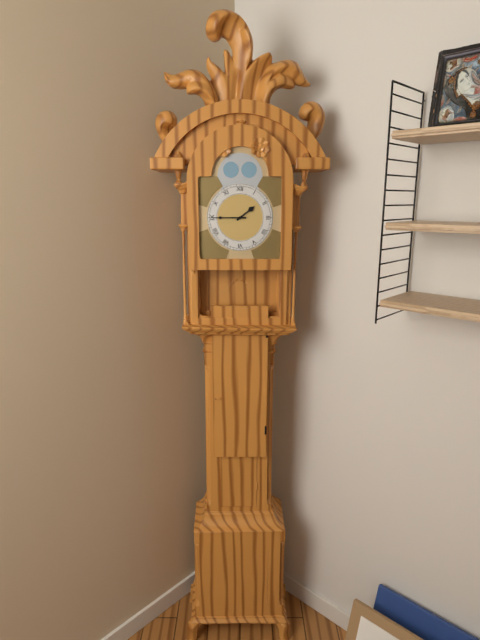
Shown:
1h45
